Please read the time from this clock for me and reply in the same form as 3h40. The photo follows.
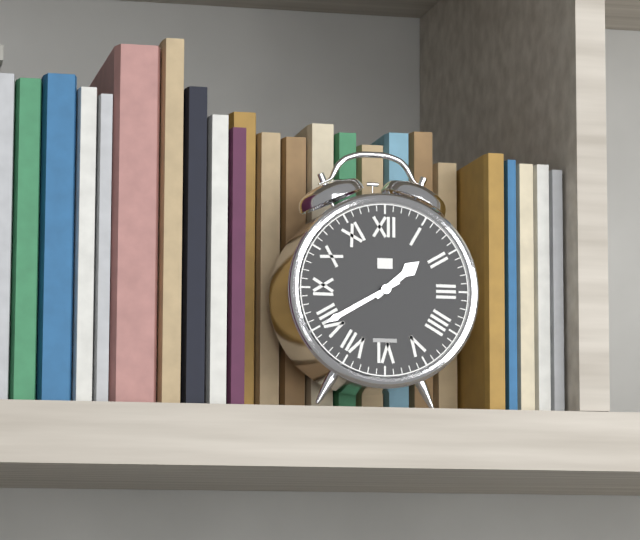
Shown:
1h40
